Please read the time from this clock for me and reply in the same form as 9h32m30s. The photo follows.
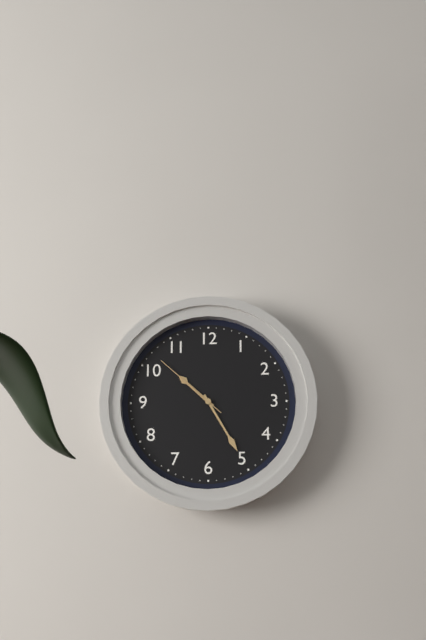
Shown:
10h25m52s
